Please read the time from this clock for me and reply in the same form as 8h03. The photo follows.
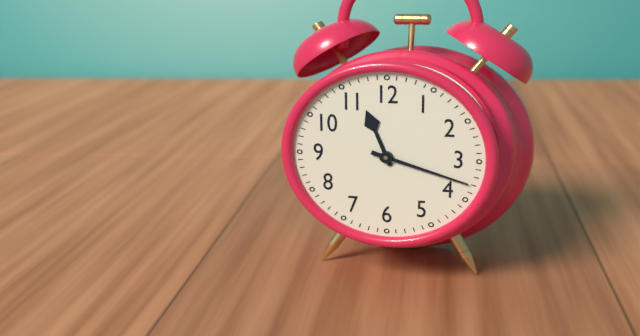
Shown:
11h18
